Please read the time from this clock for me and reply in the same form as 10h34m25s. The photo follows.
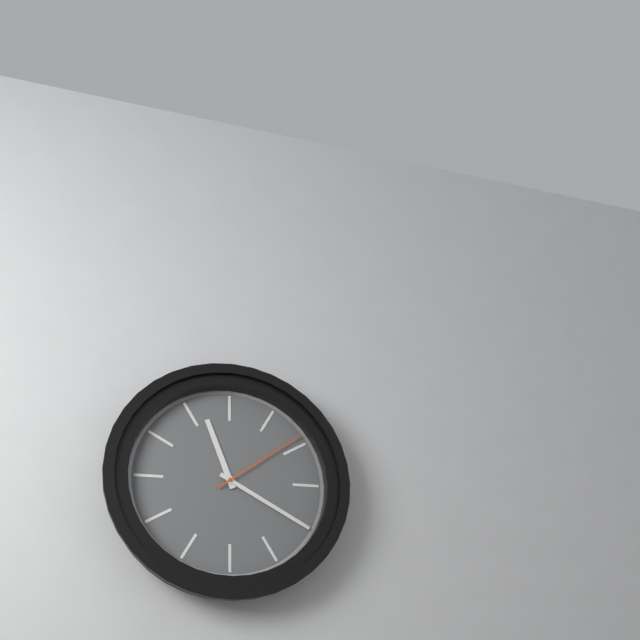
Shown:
11h20m09s
